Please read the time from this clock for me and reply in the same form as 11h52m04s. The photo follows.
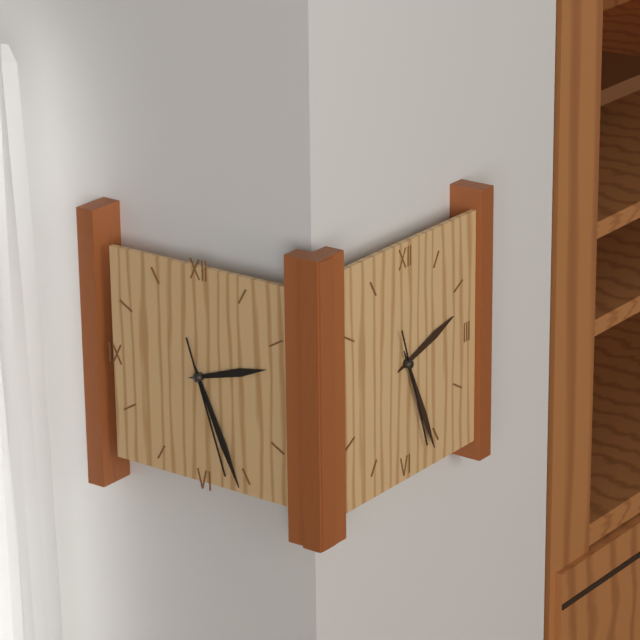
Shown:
2h26m27s
